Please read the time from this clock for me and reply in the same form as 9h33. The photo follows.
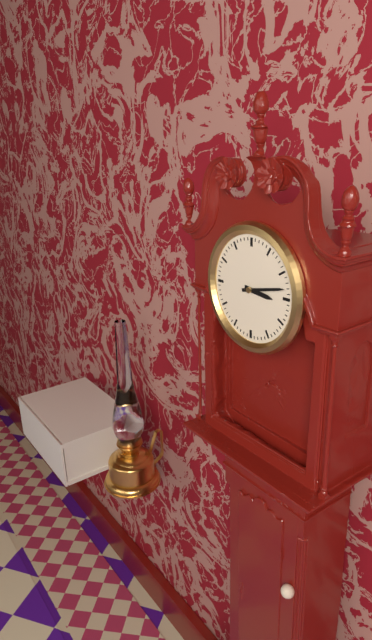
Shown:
3h13
